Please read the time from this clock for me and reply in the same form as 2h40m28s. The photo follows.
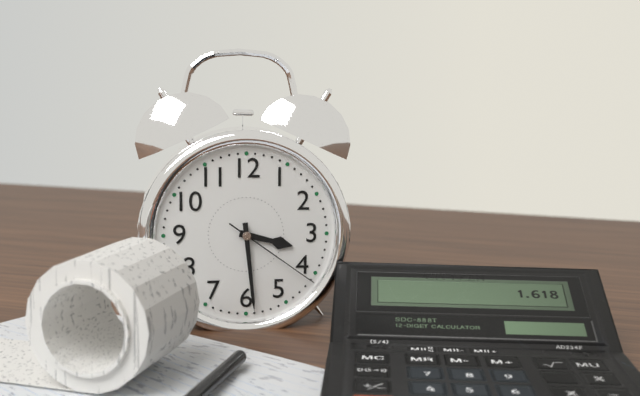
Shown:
3h29m21s
